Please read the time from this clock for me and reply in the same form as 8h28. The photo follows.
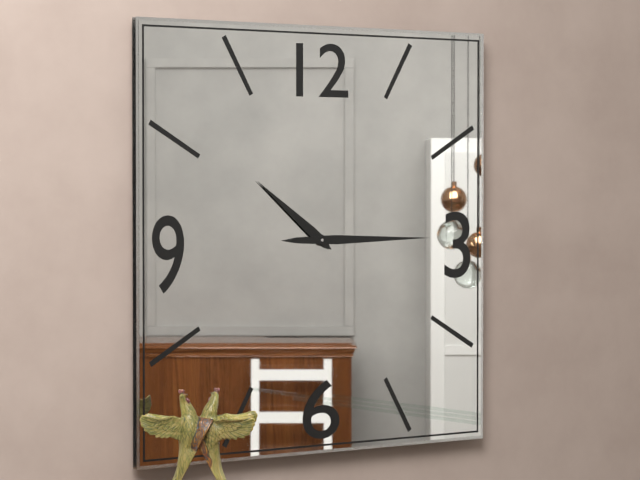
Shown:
10h15
